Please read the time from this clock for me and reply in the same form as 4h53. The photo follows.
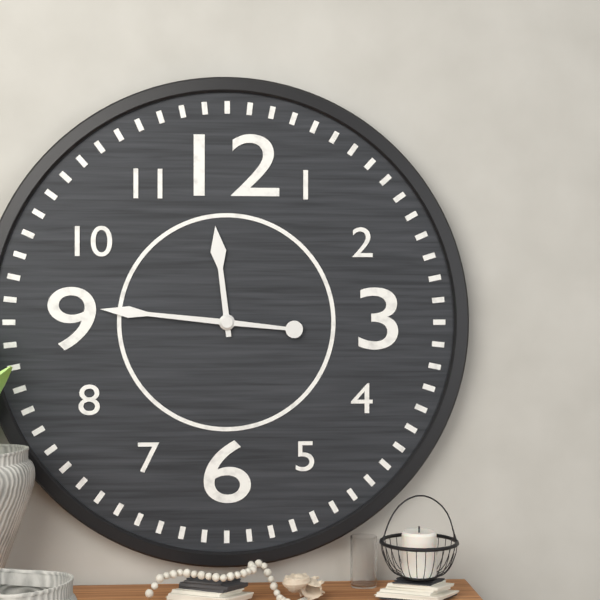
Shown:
11h46
